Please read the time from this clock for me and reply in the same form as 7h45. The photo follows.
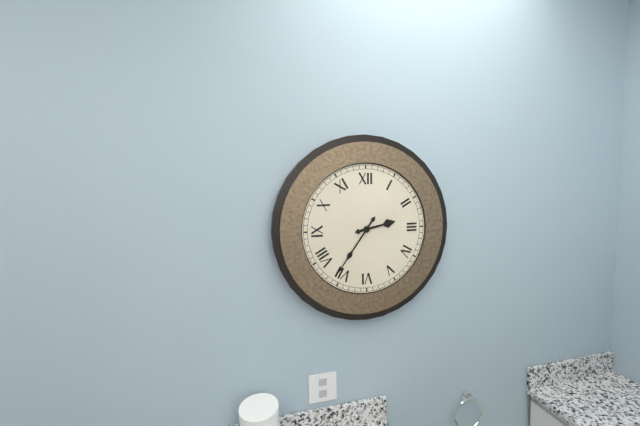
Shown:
2h36
